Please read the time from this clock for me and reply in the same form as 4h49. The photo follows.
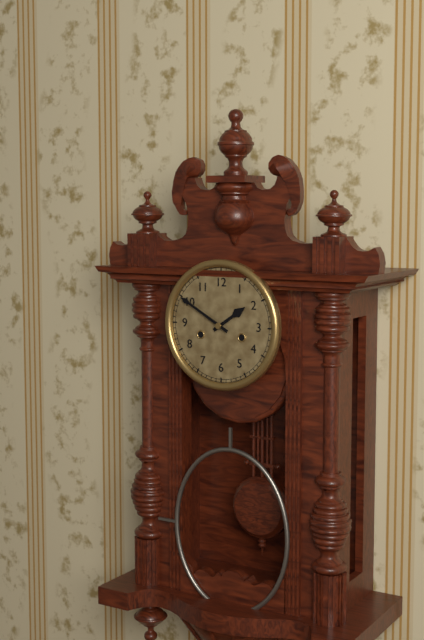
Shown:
1h50
